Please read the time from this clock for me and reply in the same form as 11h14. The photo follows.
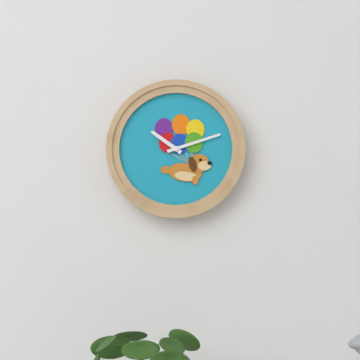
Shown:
10h12
